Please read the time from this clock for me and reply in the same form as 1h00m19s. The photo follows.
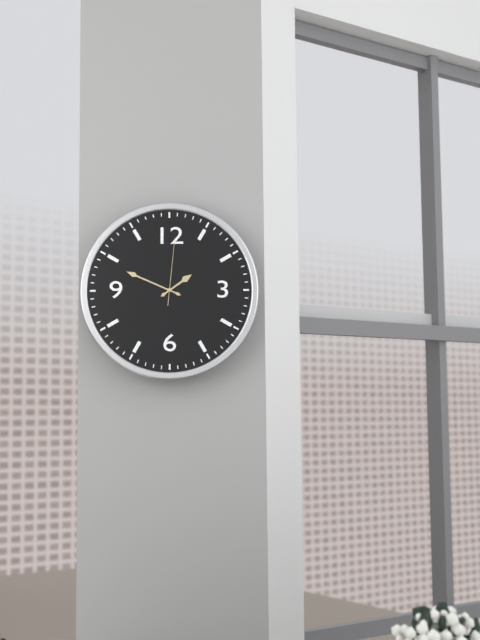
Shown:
1h49m01s
